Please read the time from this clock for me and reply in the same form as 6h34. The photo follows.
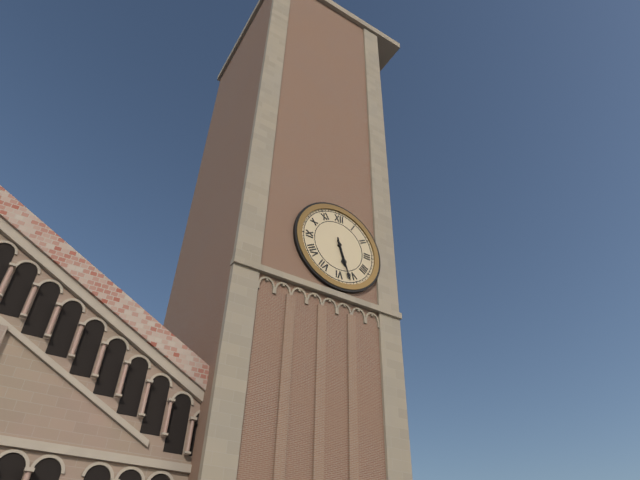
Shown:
5h27
